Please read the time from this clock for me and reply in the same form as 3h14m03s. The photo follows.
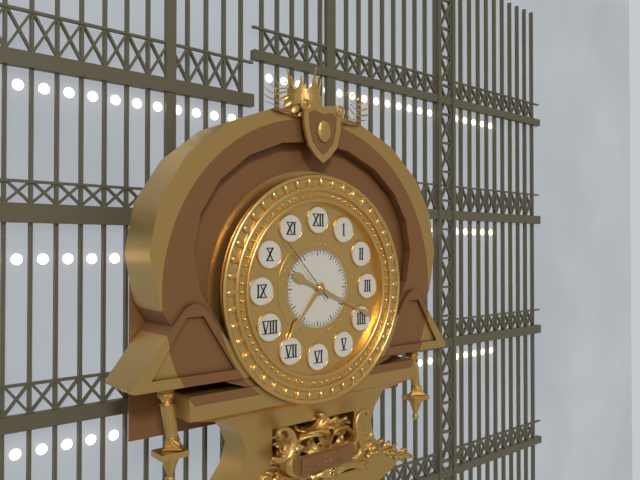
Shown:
7h19m53s
